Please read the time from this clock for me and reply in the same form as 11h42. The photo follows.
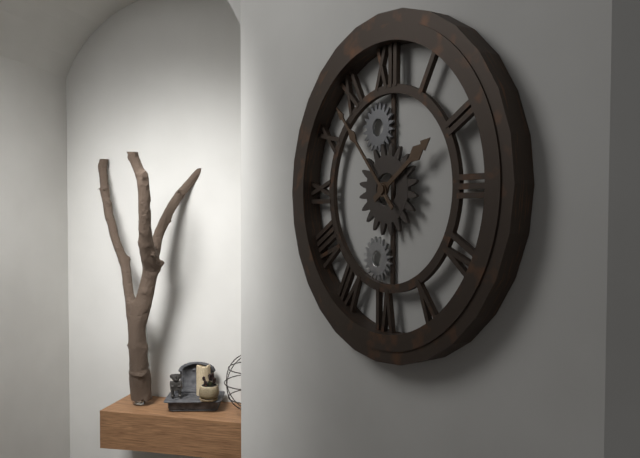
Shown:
1h53
